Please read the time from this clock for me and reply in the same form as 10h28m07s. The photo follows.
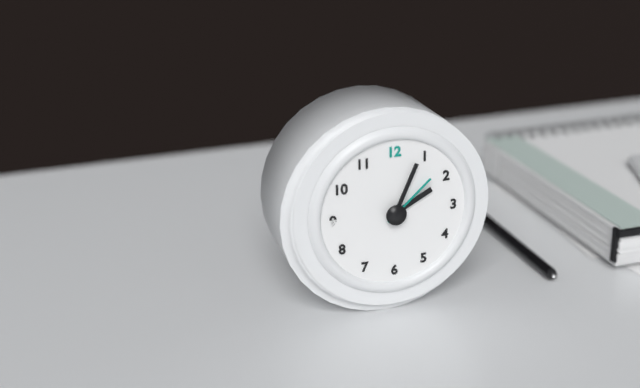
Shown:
2h04m08s
